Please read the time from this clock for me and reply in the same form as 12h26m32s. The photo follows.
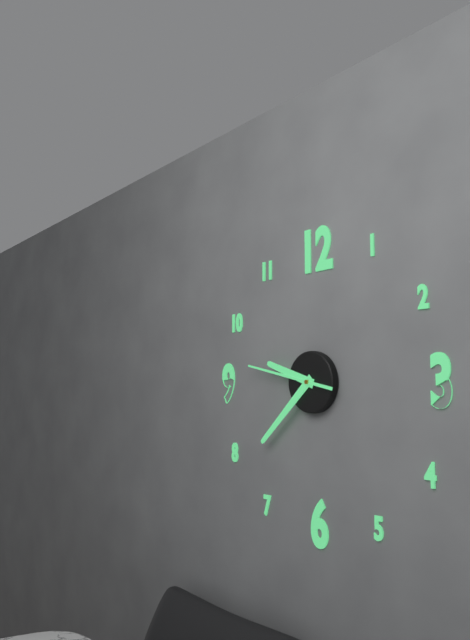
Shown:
9h38m47s
